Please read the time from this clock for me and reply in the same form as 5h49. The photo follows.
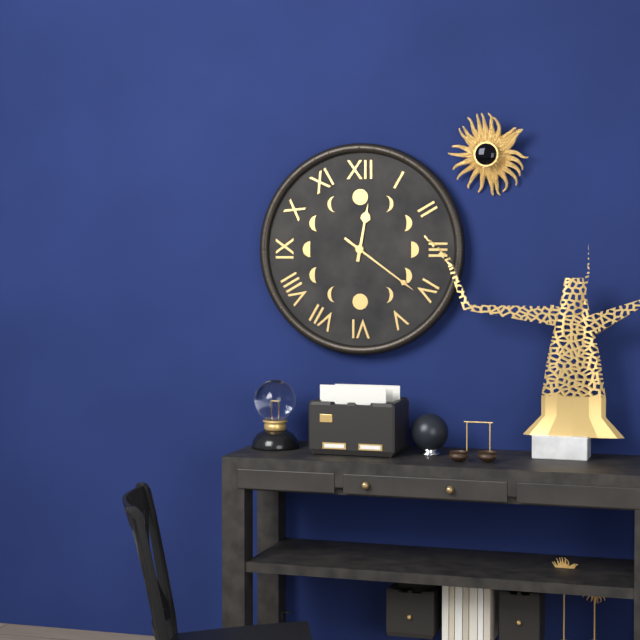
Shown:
12h21
